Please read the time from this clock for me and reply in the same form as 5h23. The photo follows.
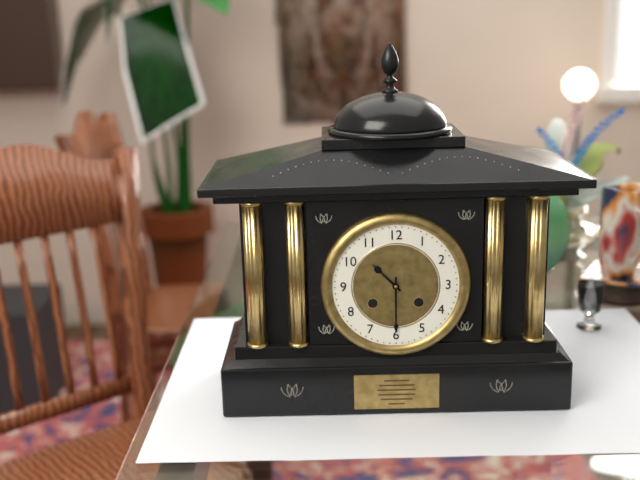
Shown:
10h30
